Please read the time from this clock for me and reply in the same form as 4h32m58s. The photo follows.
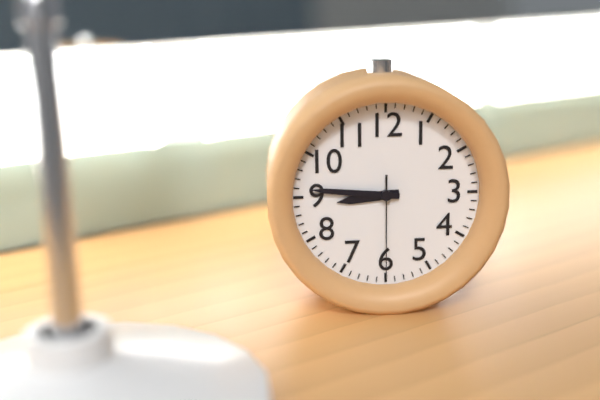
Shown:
8h46m30s
